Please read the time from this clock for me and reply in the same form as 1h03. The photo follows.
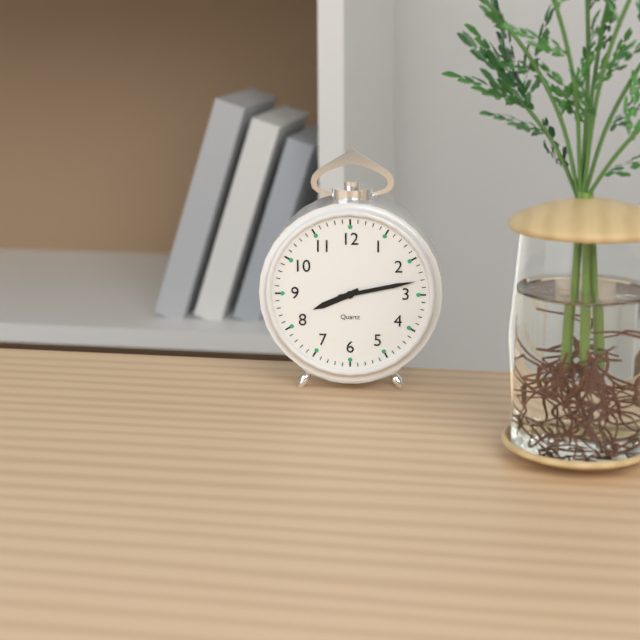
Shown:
8h13
